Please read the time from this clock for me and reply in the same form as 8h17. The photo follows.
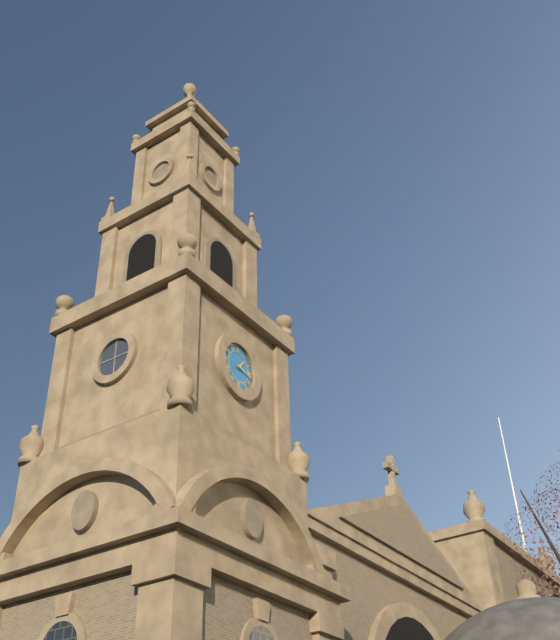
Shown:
1h17
